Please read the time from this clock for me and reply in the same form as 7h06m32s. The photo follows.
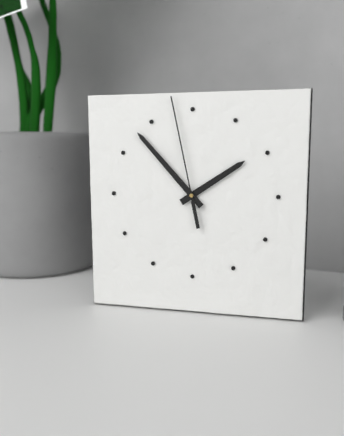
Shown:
1h53m58s
